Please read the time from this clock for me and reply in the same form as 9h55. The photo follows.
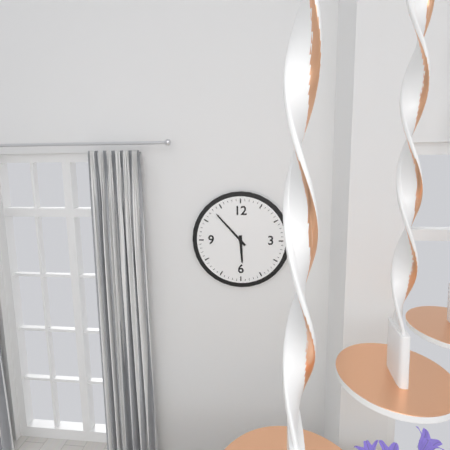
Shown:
5h53
